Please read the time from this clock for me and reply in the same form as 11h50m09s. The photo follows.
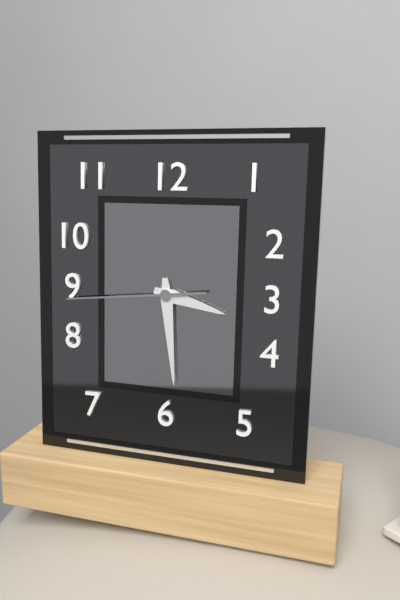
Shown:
3h29m44s
